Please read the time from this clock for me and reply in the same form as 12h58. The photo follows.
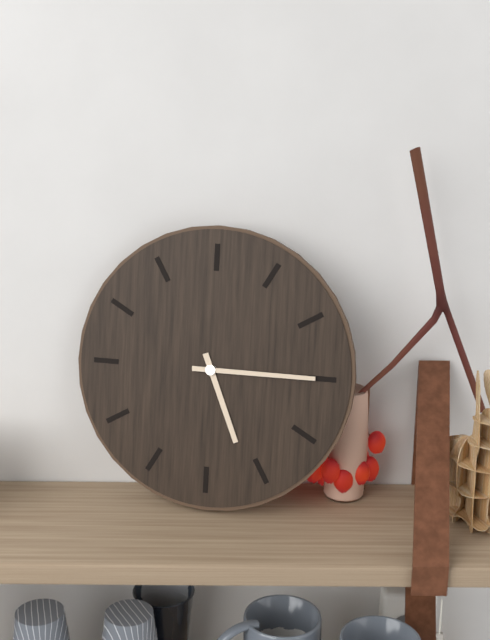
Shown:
5h15
